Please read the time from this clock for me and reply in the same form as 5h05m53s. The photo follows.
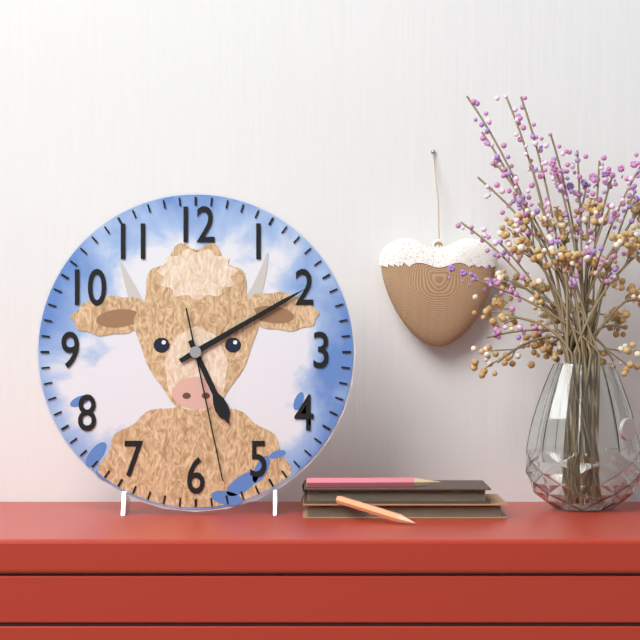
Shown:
5h10m28s
